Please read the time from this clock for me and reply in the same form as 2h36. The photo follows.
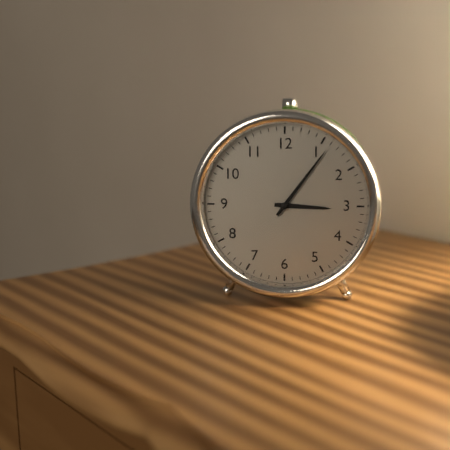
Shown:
3h06
